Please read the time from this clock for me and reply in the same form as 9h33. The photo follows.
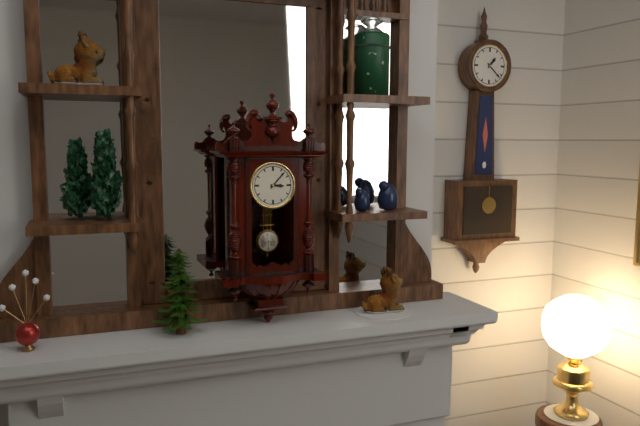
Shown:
3h07
